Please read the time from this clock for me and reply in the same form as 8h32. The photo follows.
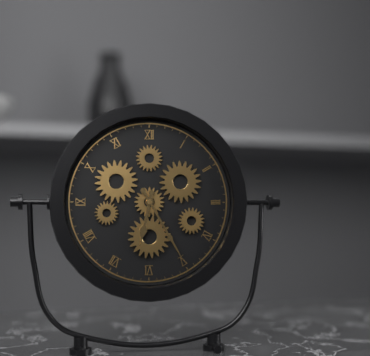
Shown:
6h25
